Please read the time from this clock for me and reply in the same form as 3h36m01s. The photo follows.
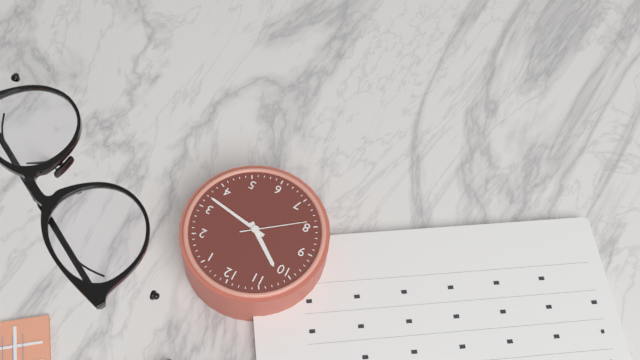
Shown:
10h17m39s
